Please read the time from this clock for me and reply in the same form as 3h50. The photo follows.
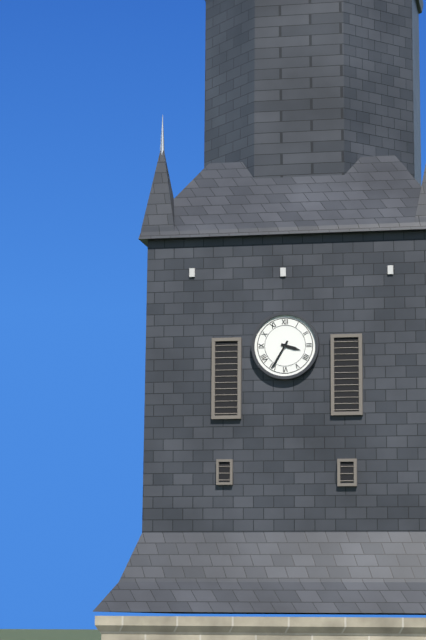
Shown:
3h35
